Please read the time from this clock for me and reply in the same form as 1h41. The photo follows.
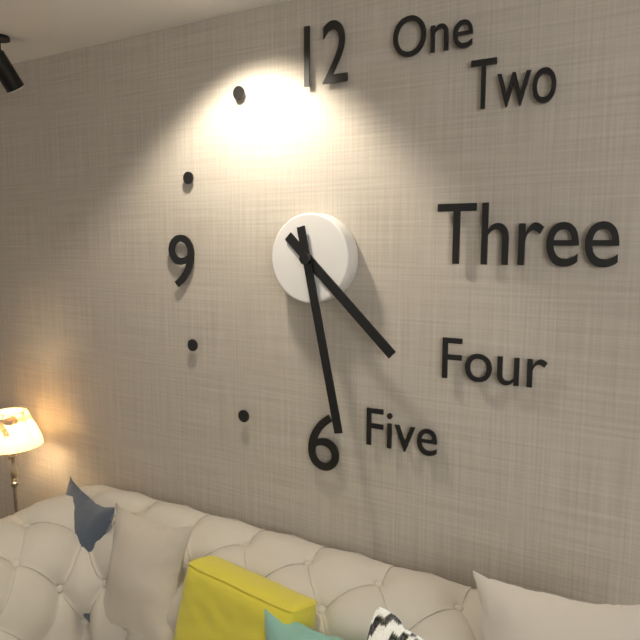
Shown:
4h28
